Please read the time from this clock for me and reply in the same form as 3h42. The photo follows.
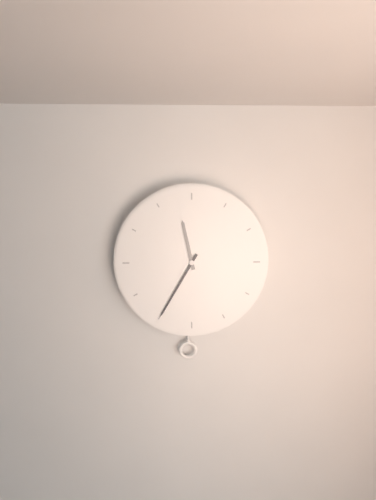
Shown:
11h35
